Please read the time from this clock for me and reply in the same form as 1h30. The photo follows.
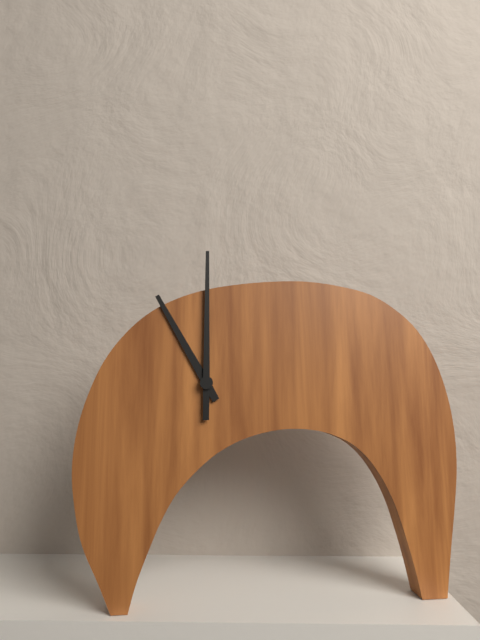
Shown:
11h00
